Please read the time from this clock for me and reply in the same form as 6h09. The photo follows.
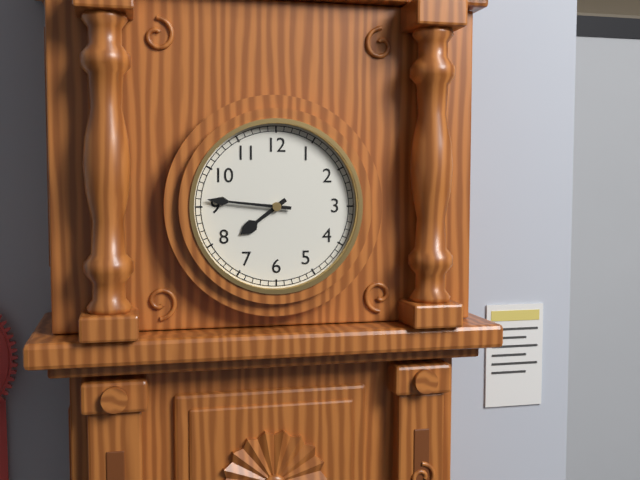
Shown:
7h46
